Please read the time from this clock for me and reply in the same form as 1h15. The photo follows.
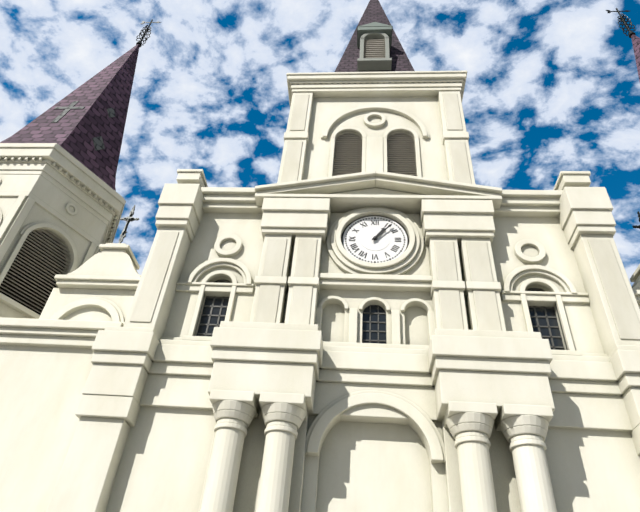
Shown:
1h07
